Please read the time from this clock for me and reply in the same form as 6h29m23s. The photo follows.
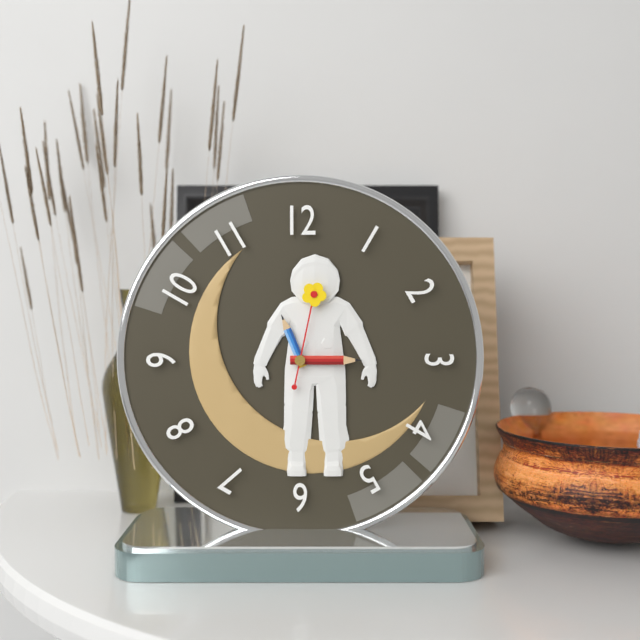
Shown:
11h15m02s
